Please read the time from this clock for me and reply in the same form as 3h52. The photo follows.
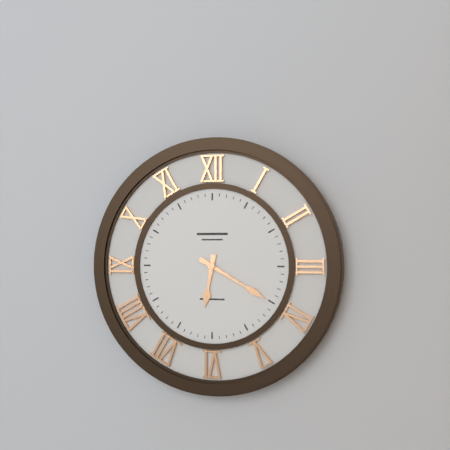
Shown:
6h20
